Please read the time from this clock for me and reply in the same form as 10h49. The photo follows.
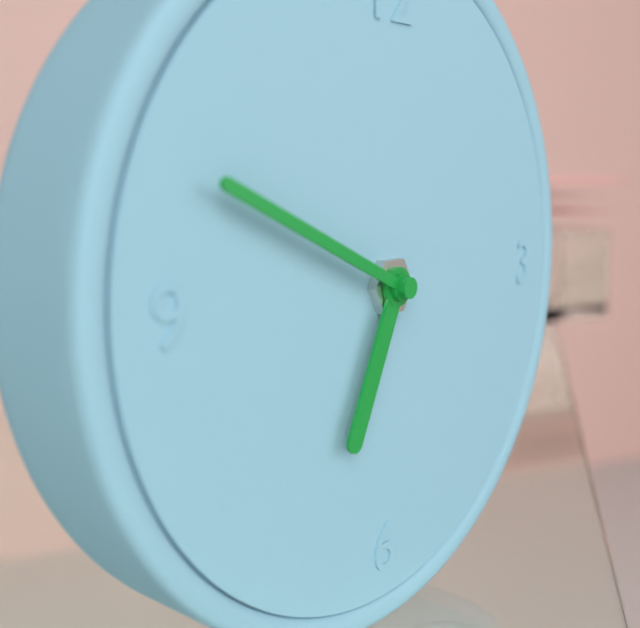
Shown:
6h49
